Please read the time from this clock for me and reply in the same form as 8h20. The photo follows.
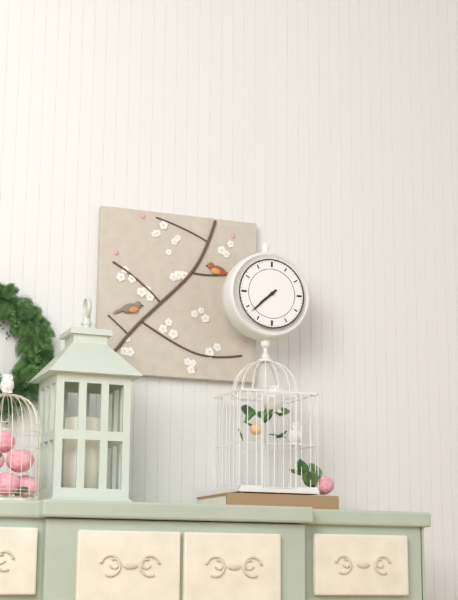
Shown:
7h38
